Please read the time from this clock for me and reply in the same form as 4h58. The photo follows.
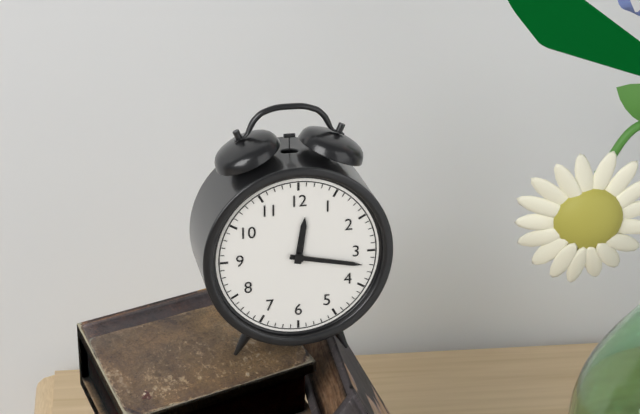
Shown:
12h17
